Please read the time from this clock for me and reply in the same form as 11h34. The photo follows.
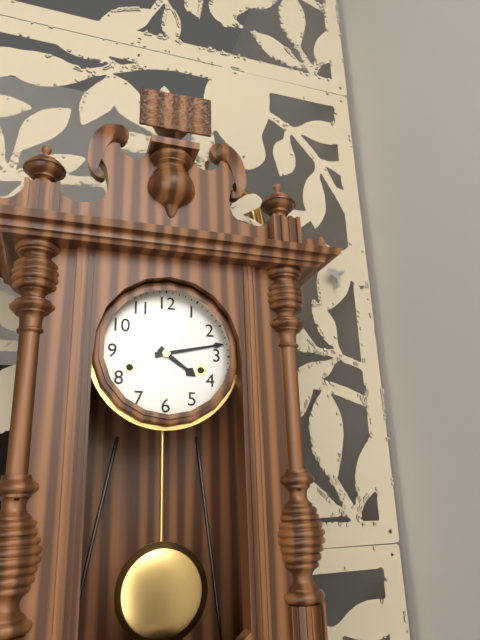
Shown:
4h13
